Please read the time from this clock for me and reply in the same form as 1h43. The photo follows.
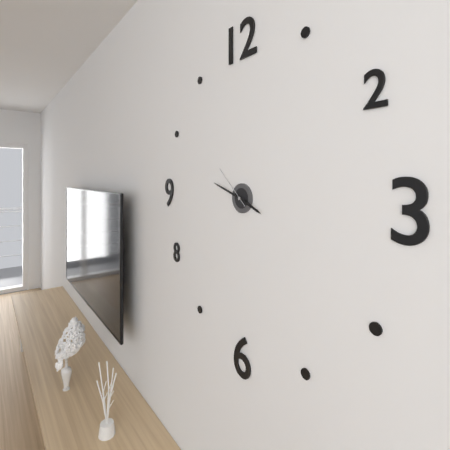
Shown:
3h48
